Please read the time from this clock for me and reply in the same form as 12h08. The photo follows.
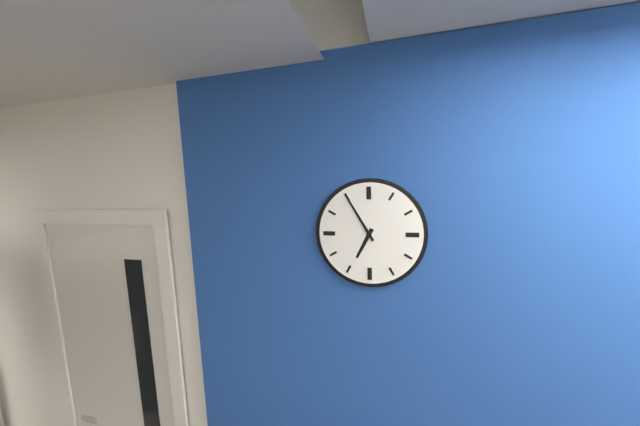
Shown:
6h55
